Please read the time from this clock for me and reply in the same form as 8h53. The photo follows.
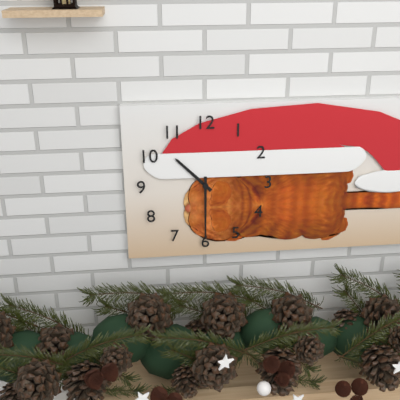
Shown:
10h30
